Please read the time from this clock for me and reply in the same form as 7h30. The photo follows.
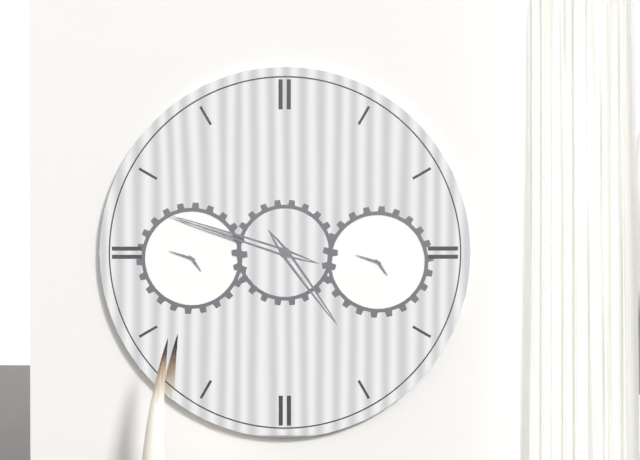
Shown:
4h48
